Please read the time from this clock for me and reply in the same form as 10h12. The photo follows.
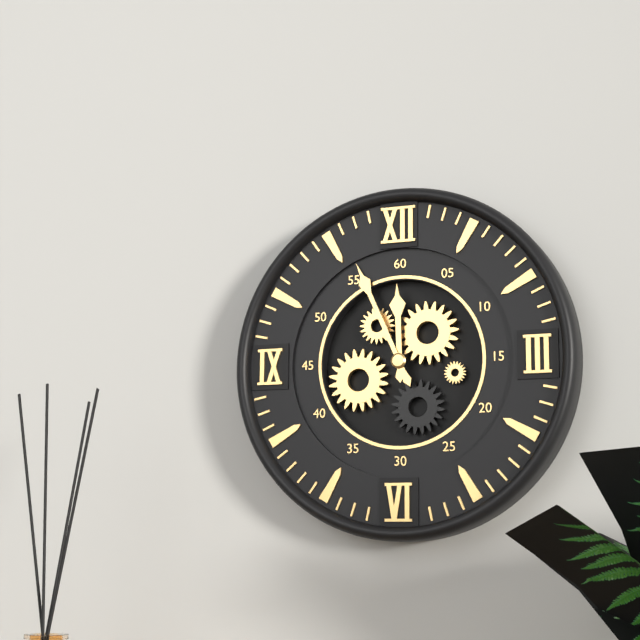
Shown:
11h56
